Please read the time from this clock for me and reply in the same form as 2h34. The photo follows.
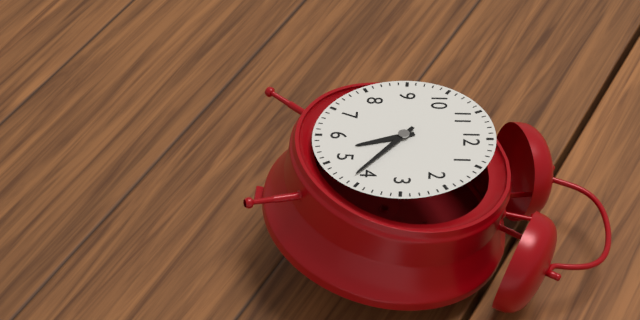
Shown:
5h21
